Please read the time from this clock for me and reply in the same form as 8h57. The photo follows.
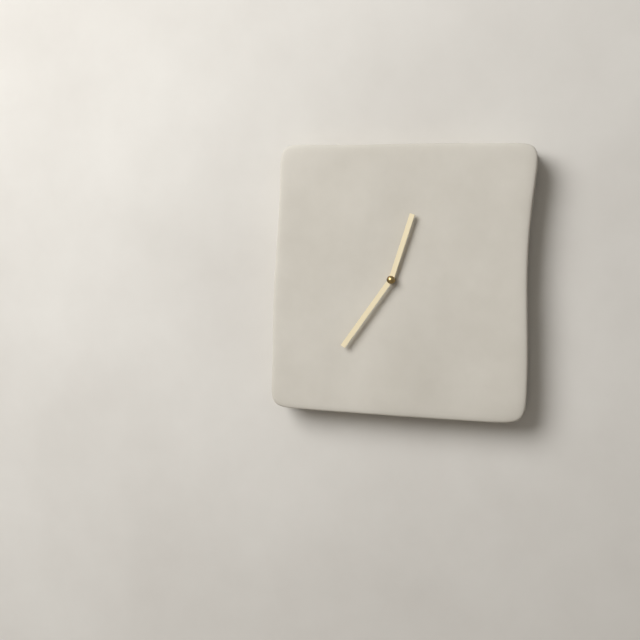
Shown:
12h36
